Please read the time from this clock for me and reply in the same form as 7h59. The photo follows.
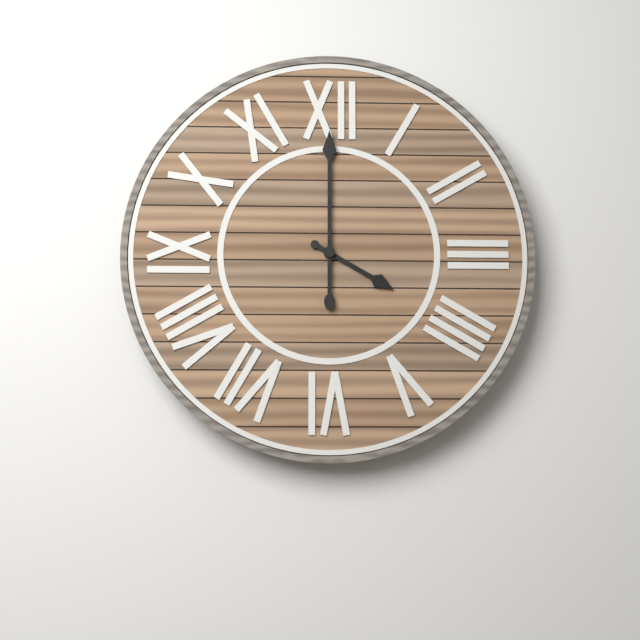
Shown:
4h00
